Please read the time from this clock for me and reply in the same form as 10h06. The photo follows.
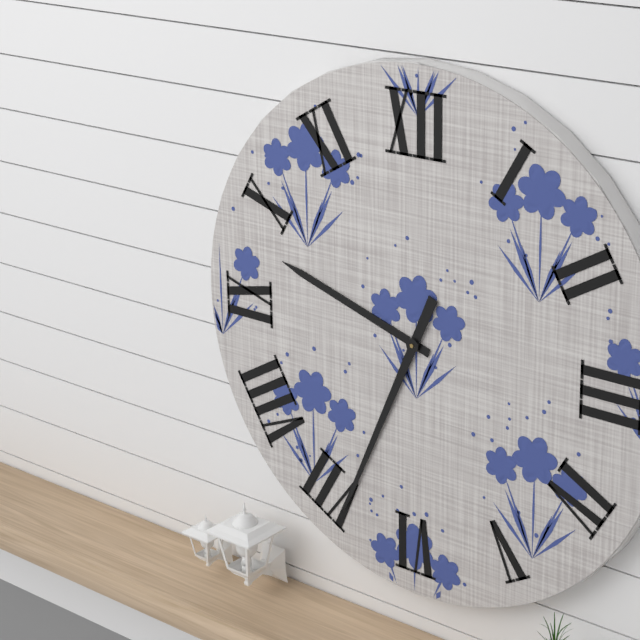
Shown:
9h34
